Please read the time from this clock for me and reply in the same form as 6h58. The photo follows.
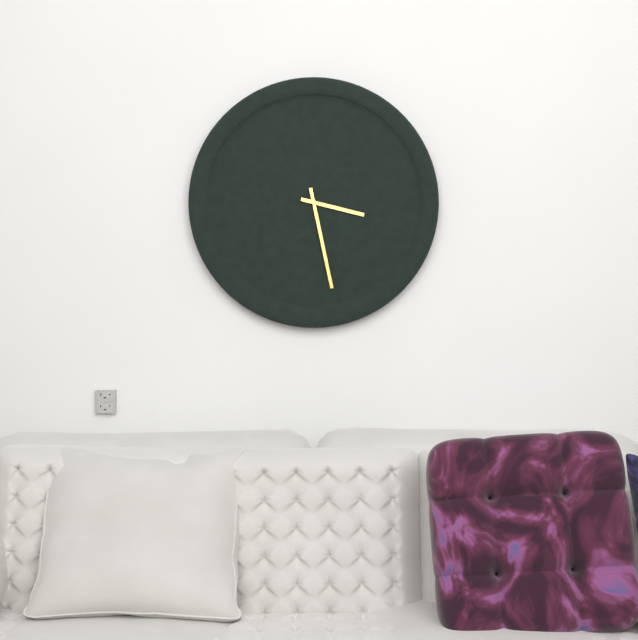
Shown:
3h28
